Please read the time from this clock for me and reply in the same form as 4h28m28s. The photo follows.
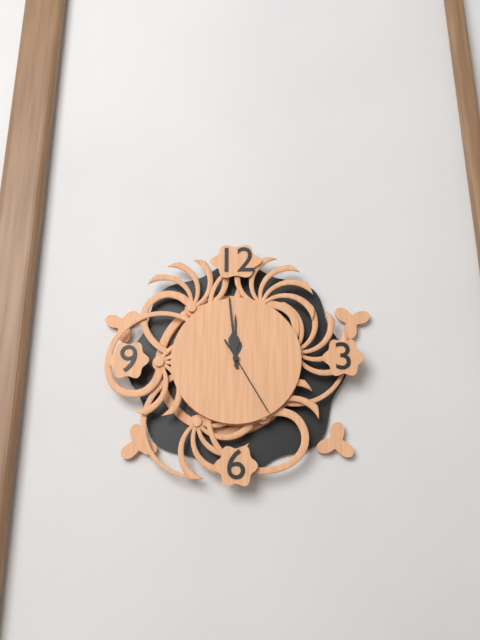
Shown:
11h59m25s
